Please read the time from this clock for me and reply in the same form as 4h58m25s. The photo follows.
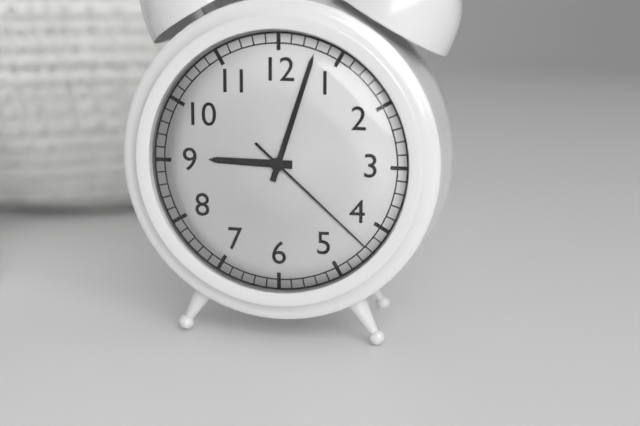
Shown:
9h03m22s
